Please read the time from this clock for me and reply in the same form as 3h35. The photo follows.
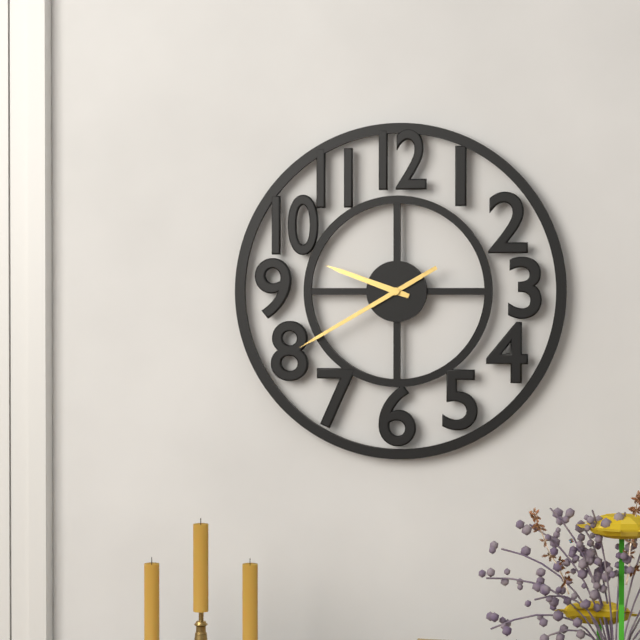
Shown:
9h40
